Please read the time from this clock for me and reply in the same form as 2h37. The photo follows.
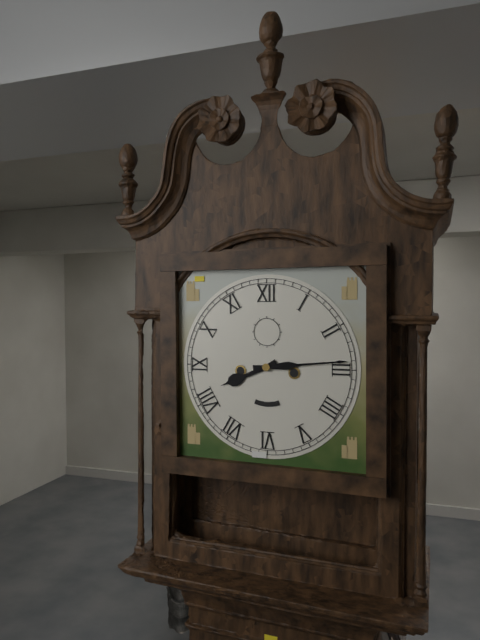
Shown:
8h14
